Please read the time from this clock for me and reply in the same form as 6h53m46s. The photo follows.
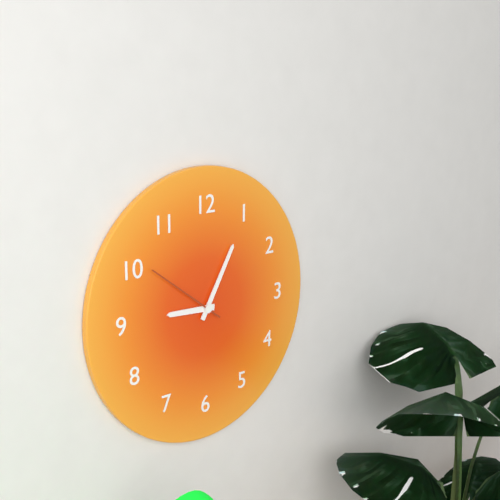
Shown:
9h05m51s
